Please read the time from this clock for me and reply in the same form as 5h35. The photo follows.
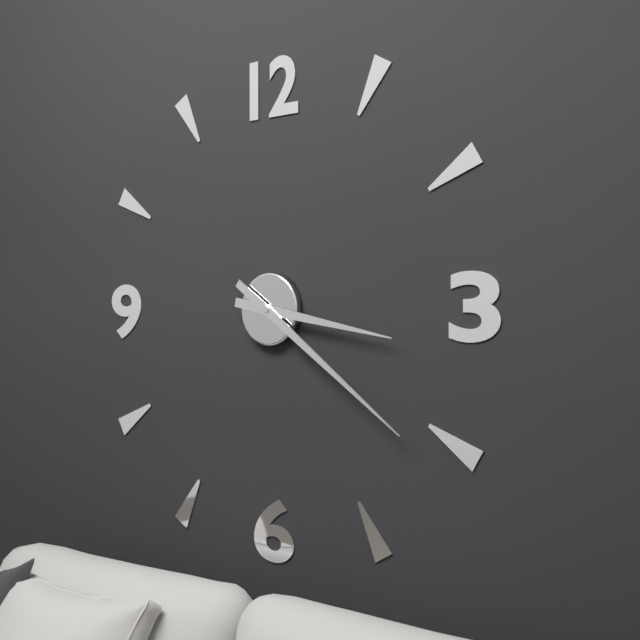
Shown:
3h21
